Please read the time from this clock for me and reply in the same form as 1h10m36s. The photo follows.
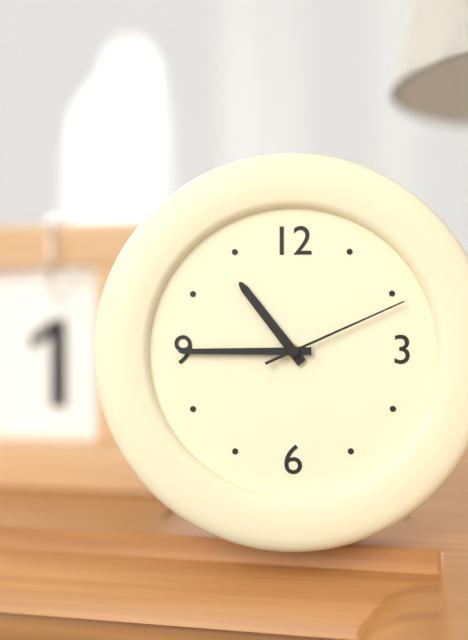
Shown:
10h45m11s
